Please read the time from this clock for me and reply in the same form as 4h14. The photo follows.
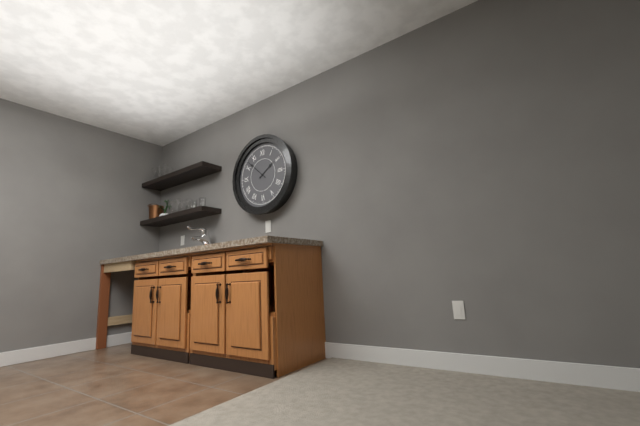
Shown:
1h52
